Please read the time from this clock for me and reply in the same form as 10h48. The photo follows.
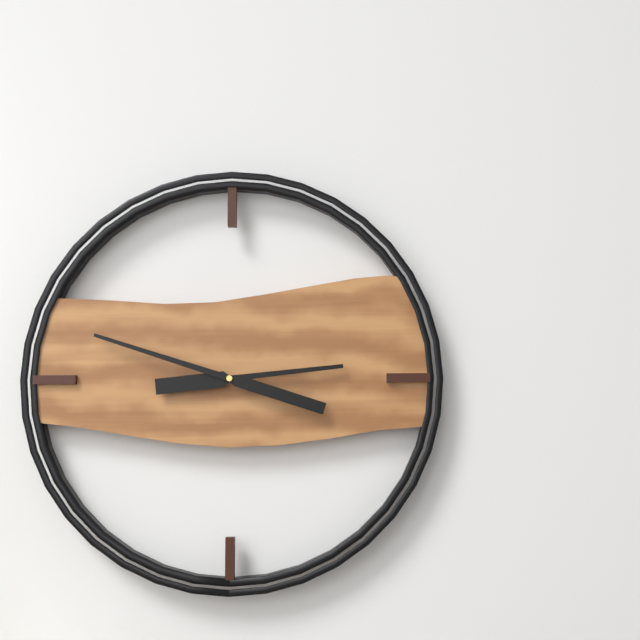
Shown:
2h48
